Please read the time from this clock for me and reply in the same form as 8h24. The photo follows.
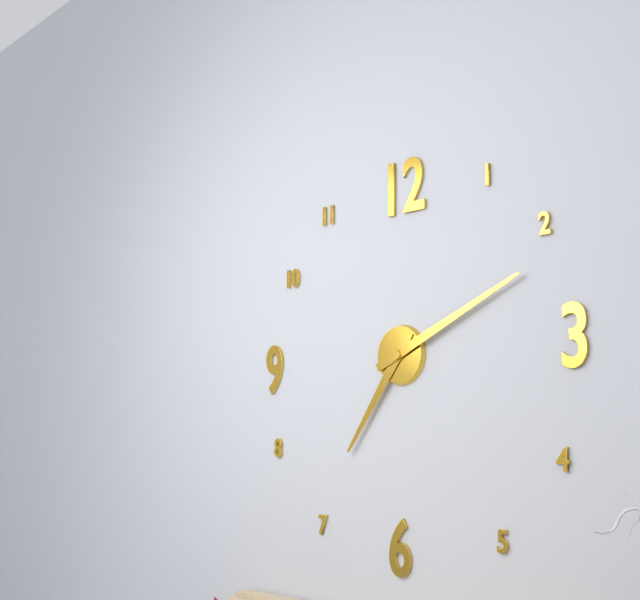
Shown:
7h11
